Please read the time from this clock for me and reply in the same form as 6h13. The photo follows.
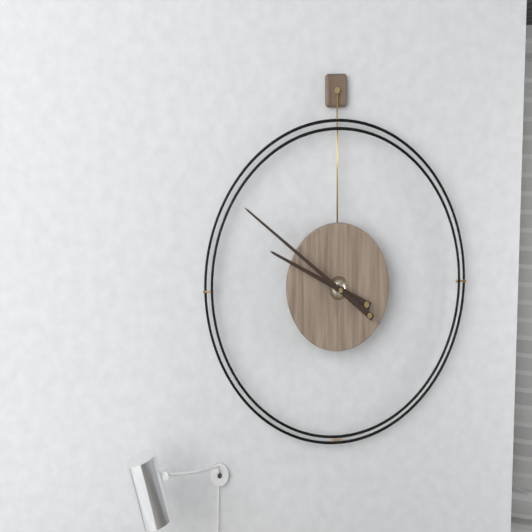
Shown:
9h51
